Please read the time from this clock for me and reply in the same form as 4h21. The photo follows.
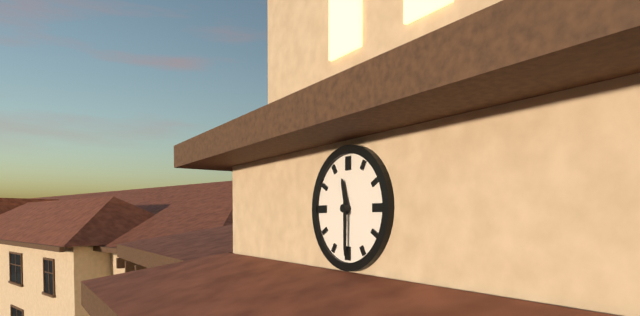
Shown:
11h30
